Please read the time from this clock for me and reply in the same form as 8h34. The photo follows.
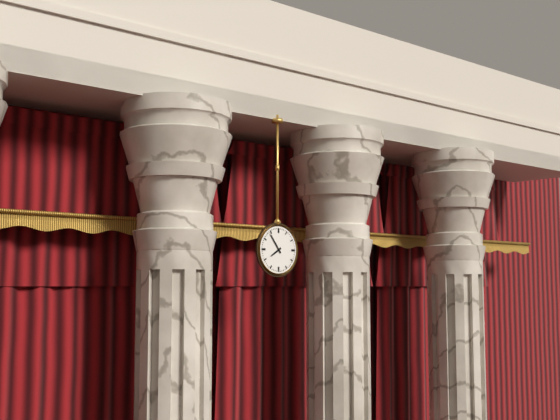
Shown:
7h54
